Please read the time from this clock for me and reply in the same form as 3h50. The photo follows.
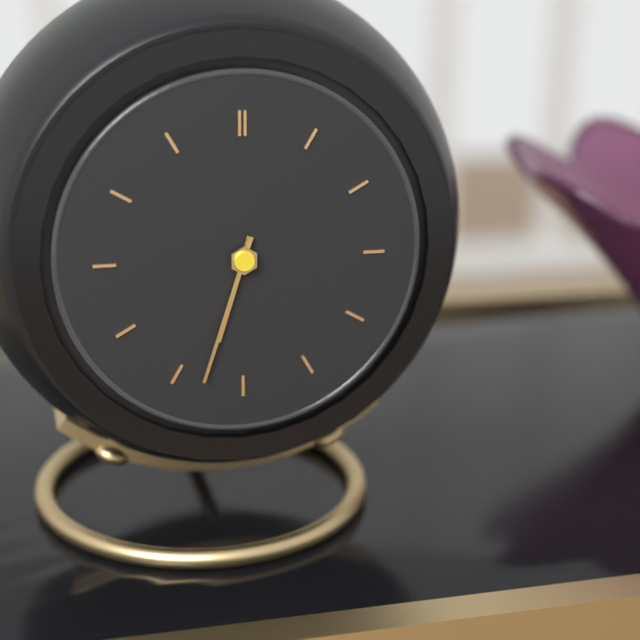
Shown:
6h33
